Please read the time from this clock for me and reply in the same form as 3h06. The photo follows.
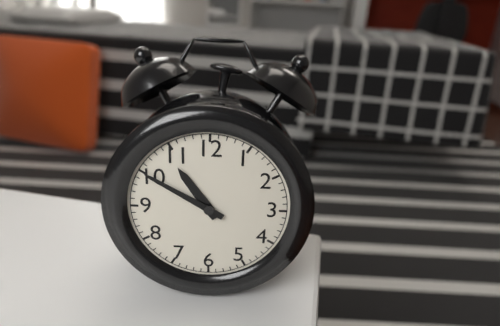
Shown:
10h50
